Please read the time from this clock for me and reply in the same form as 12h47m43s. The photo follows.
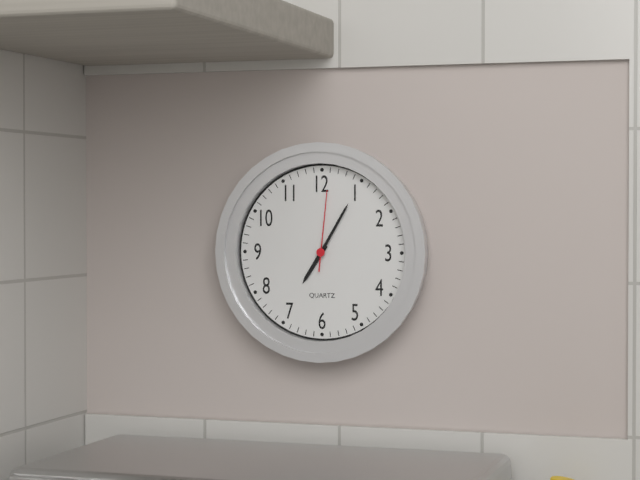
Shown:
7h05m01s
